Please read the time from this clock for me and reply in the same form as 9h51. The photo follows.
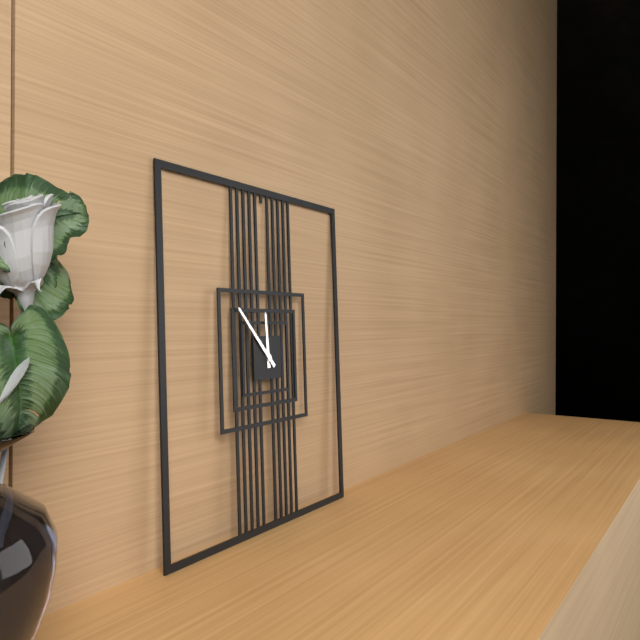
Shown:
11h53
